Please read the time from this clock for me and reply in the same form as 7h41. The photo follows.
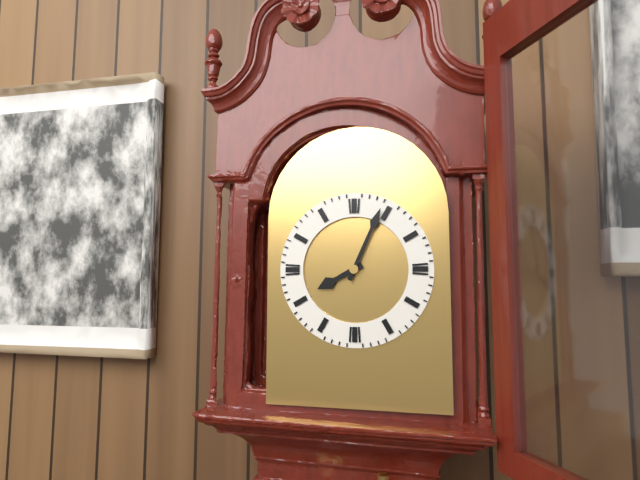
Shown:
8h04
